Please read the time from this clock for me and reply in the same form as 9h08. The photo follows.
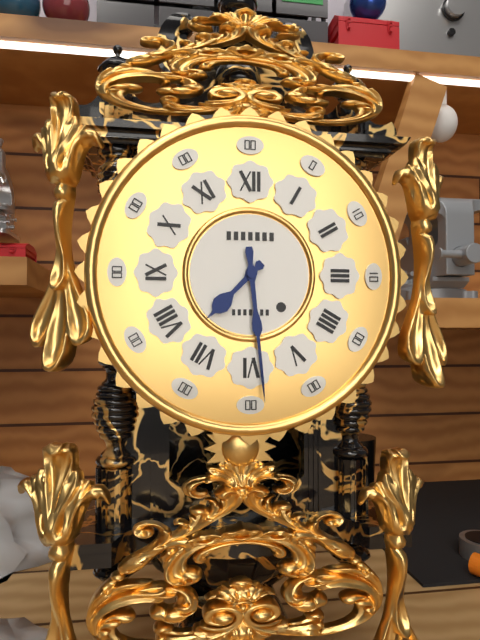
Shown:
7h29
